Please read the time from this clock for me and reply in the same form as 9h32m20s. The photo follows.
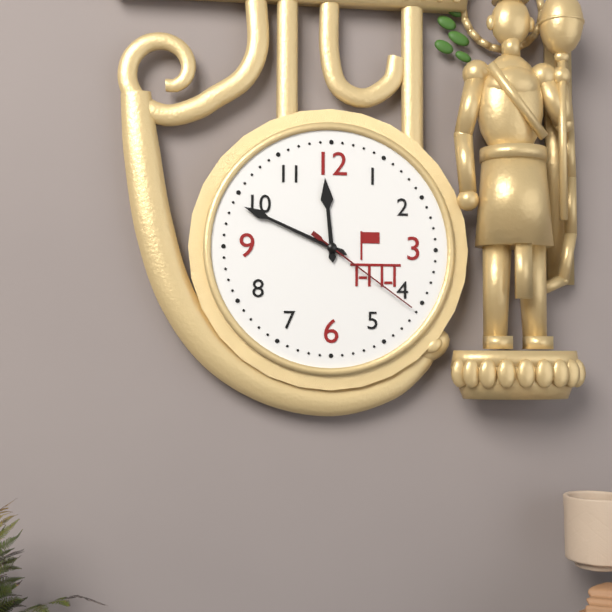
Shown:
11h49m21s
